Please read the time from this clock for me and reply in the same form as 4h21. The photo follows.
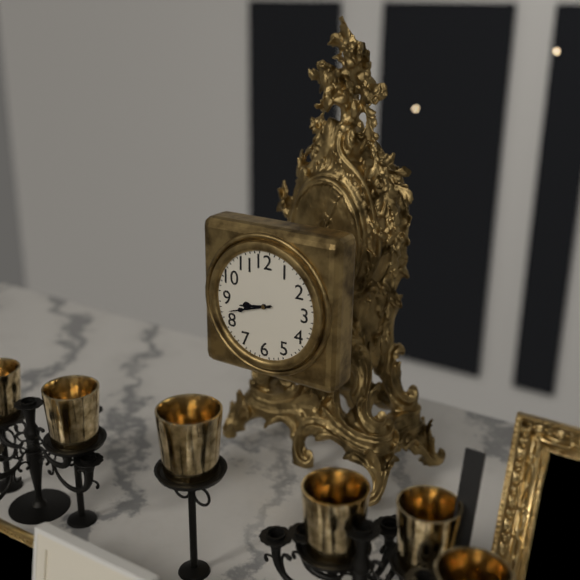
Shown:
8h42
